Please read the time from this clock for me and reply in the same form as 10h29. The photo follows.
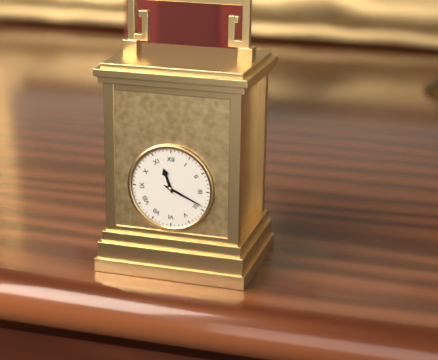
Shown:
11h19
